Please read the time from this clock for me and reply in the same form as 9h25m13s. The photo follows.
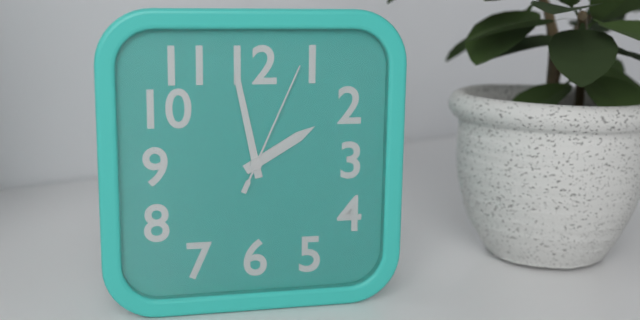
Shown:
1h58m04s
